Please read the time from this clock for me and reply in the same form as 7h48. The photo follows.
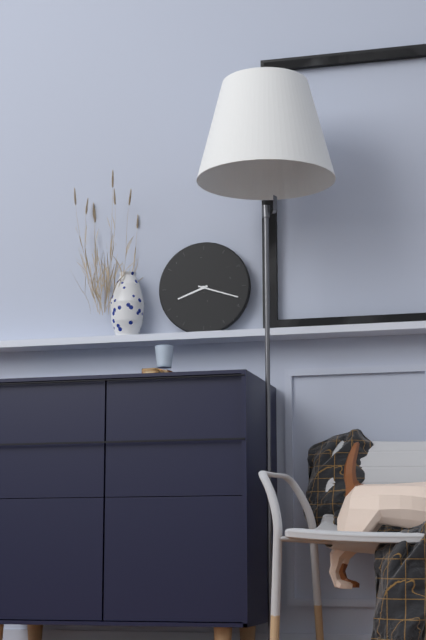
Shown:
8h18
